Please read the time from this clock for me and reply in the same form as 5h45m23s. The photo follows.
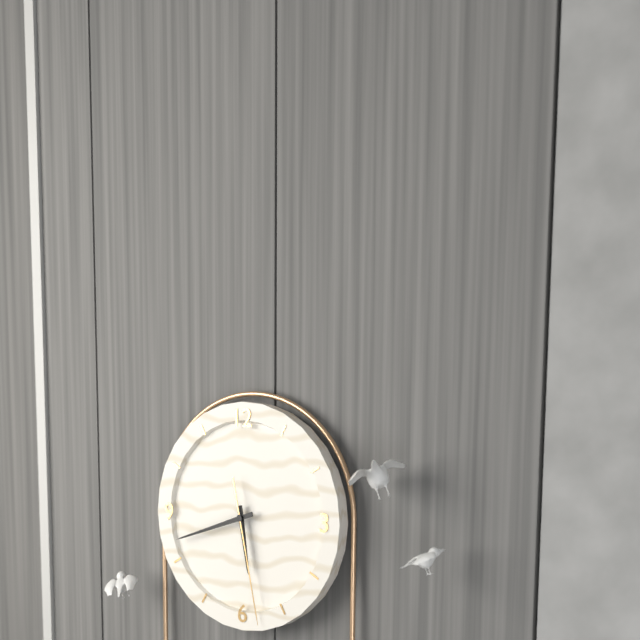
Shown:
5h42m28s
